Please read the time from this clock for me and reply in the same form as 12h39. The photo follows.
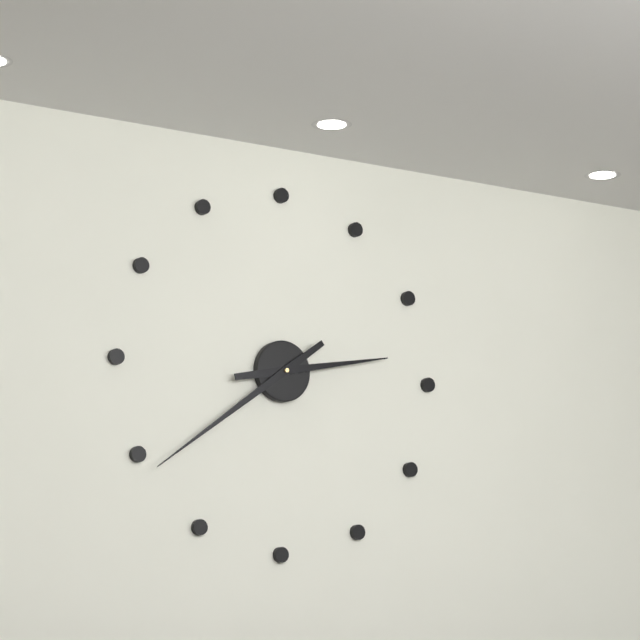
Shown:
2h39
